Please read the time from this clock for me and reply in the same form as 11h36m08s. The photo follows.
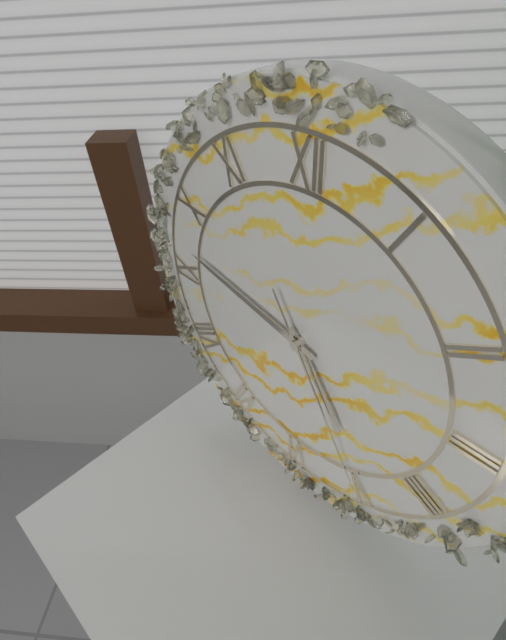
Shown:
4h47m25s
